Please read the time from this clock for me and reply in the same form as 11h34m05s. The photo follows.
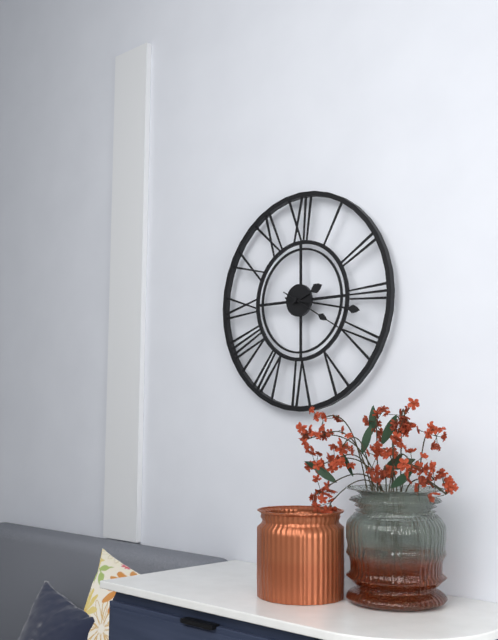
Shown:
2h17m20s
